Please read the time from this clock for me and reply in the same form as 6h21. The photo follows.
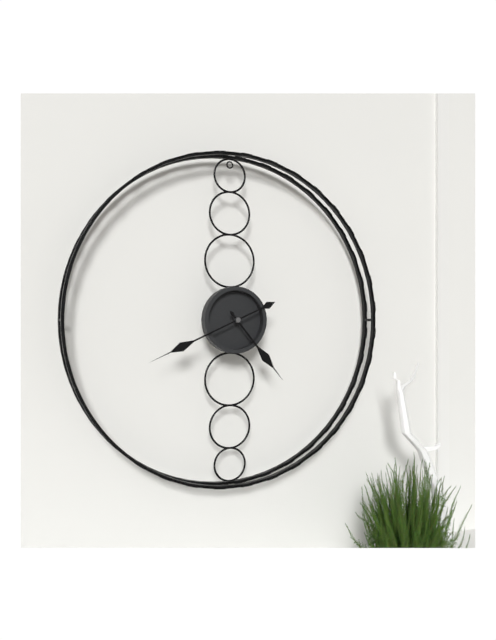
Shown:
4h41
